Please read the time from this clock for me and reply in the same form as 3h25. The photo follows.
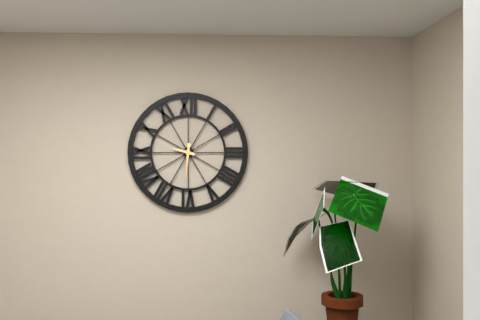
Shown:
9h31
